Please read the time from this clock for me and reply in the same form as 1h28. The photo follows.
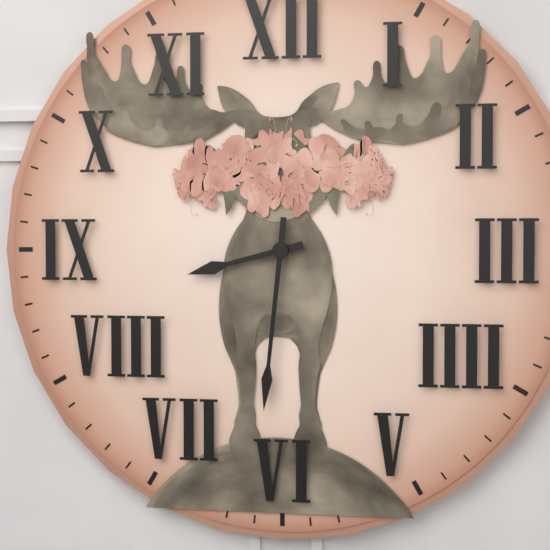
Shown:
8h31
